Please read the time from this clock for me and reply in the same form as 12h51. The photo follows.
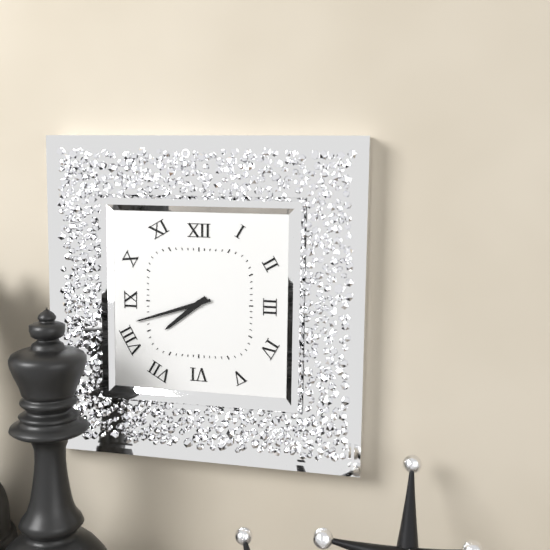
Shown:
7h42
